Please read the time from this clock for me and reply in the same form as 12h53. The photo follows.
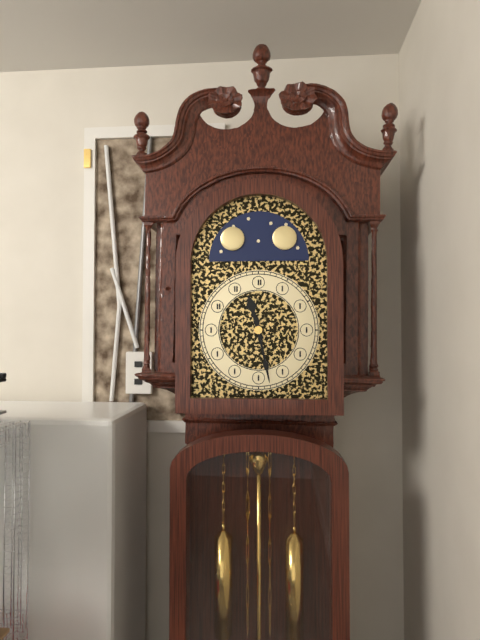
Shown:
11h28
